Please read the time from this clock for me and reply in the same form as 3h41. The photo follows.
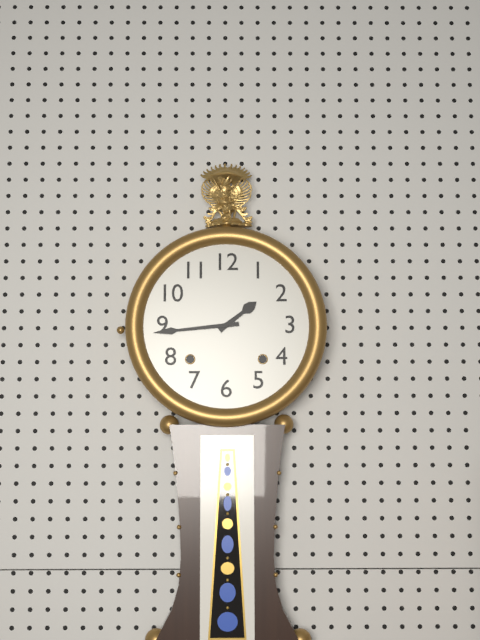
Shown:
1h44
